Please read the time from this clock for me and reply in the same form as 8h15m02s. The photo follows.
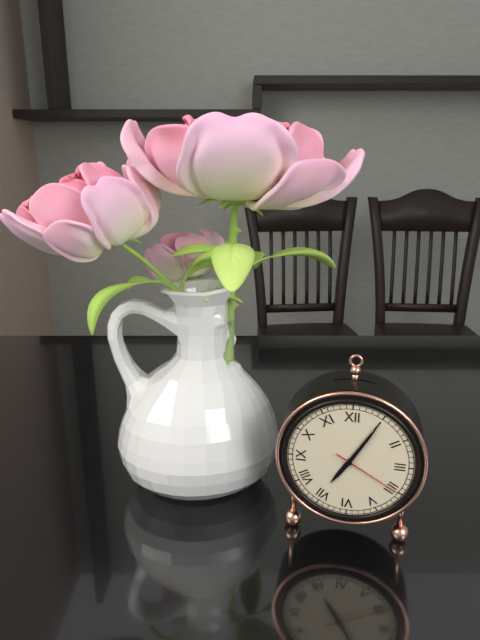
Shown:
7h05m20s
